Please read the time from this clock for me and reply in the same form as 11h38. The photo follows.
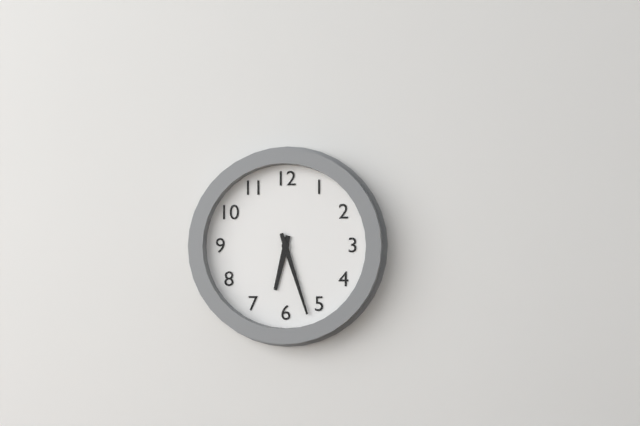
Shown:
6h27
